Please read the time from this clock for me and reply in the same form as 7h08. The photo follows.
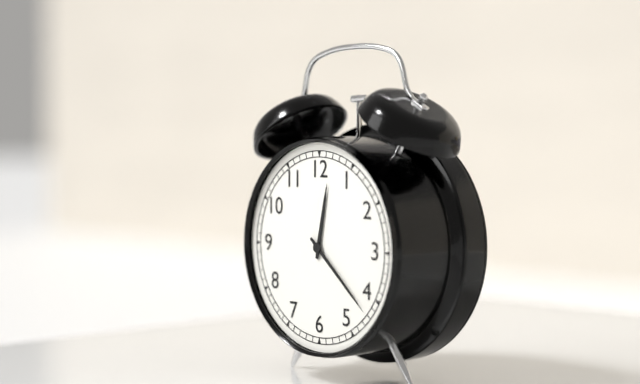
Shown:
12h22
